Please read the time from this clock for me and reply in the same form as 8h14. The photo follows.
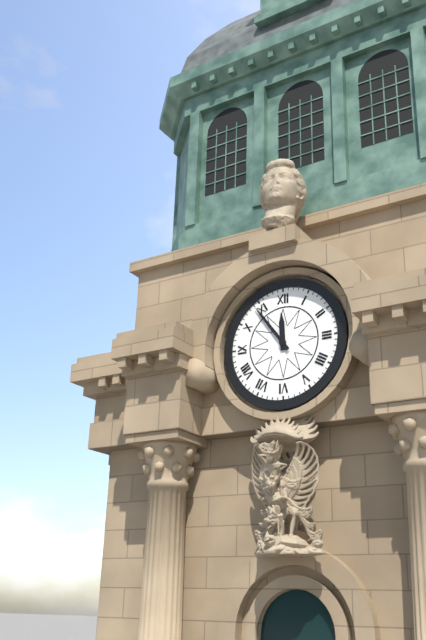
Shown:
11h54
